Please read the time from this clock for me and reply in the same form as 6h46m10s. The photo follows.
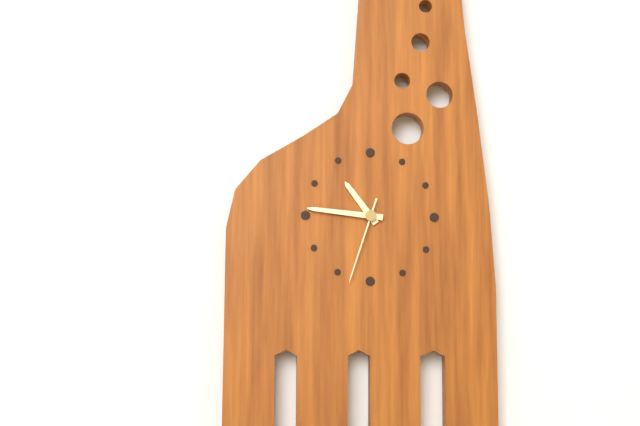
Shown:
10h46m33s
